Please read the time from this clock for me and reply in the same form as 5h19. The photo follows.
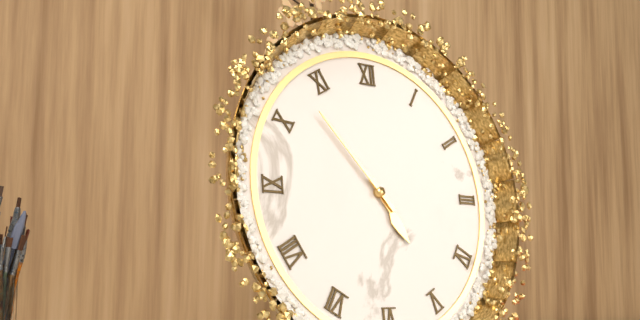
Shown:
4h53
